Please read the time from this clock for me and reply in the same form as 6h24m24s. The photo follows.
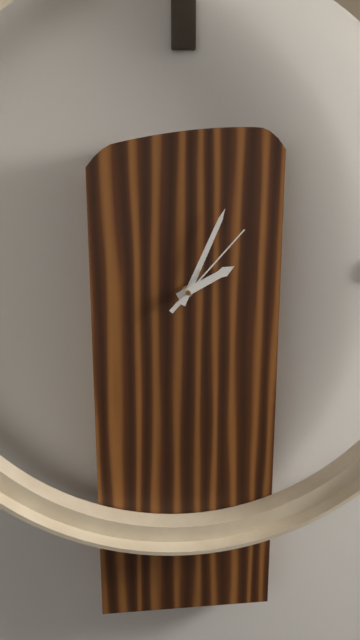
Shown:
2h04m07s
